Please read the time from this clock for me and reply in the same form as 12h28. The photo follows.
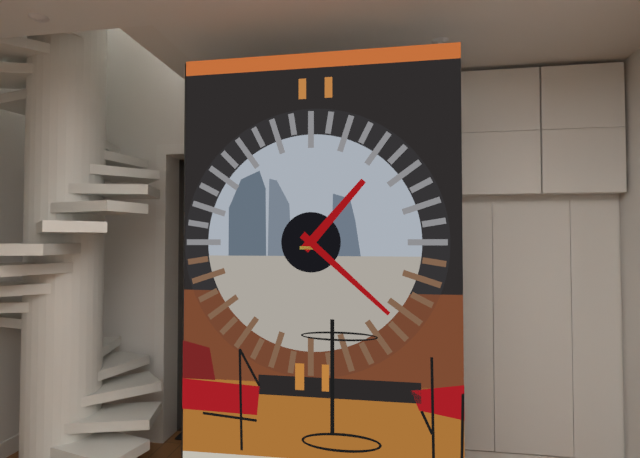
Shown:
1h22
